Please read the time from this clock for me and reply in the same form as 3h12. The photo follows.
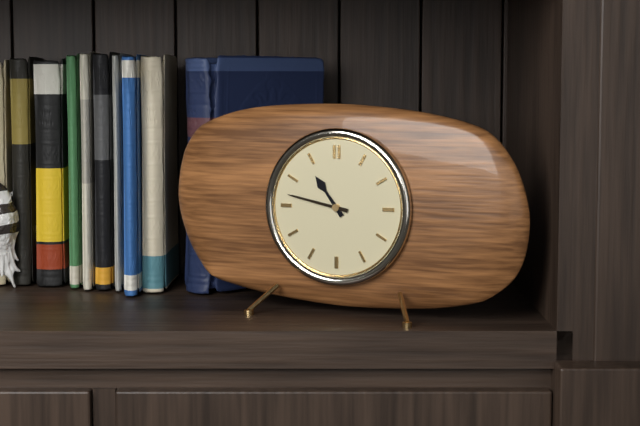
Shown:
10h47
